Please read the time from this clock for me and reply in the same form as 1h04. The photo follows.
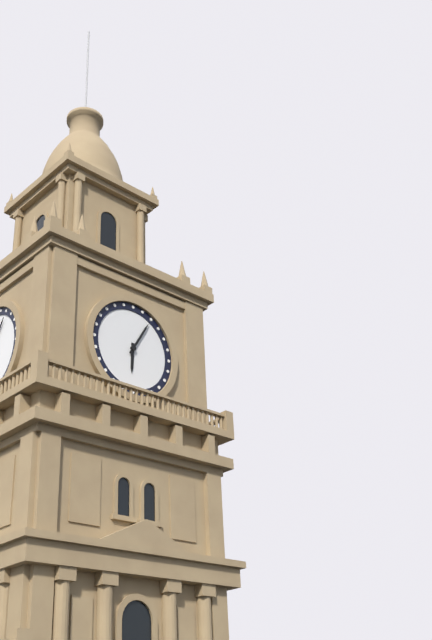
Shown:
6h05
